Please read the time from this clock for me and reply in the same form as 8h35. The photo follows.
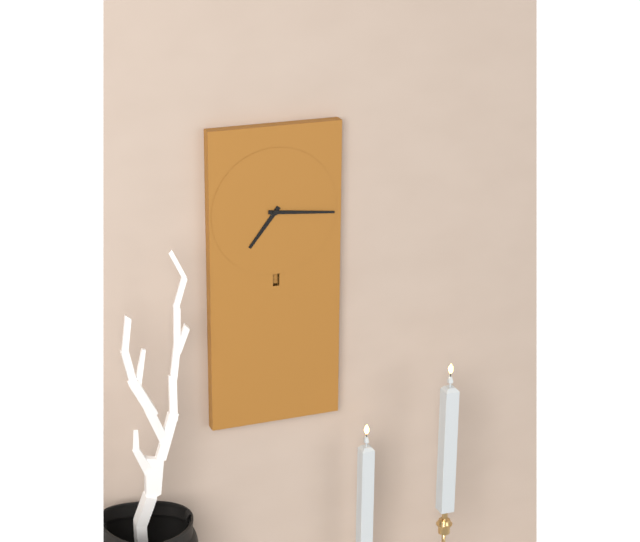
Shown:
7h16
